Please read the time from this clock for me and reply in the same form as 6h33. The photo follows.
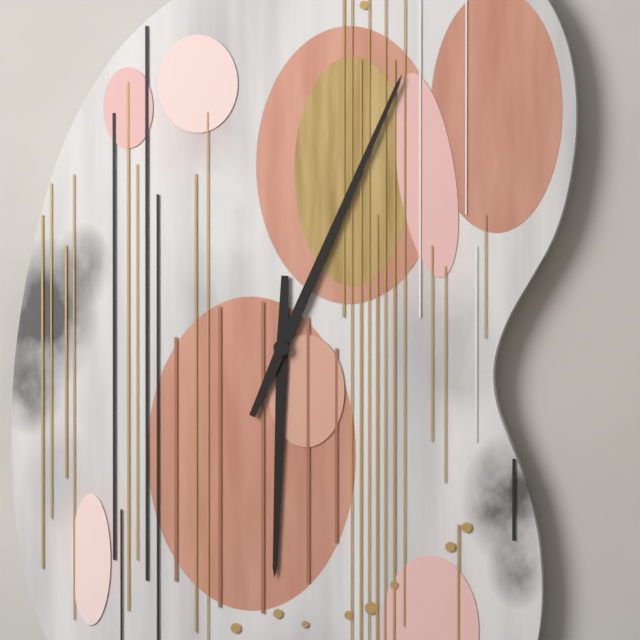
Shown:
6h04
